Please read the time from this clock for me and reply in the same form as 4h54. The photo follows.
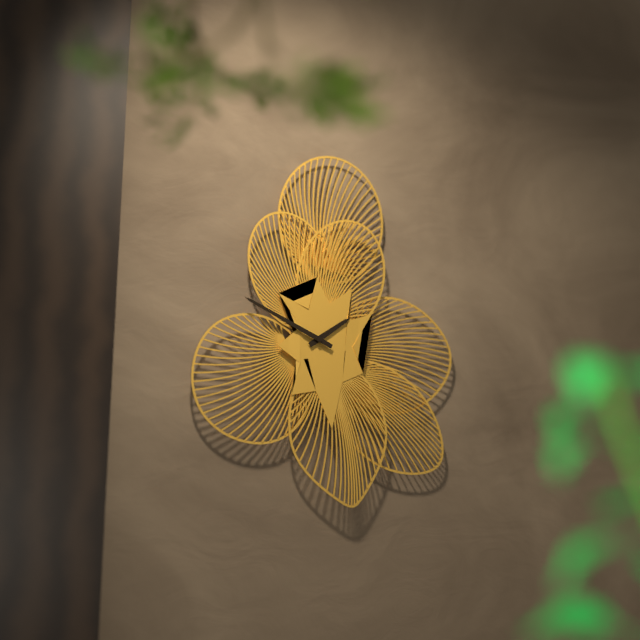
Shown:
1h49
